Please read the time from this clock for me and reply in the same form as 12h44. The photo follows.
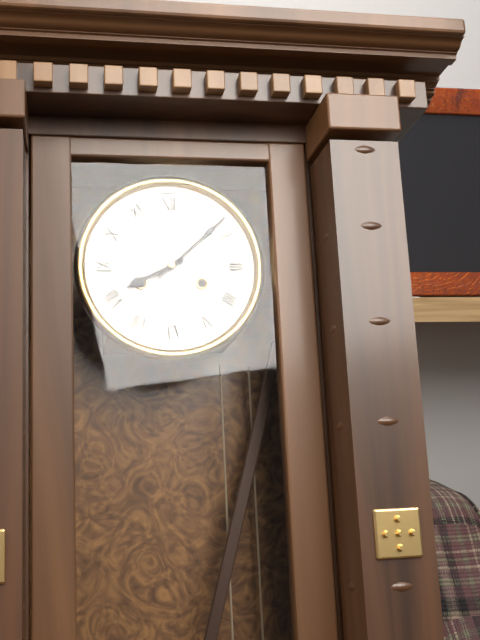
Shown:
8h08
